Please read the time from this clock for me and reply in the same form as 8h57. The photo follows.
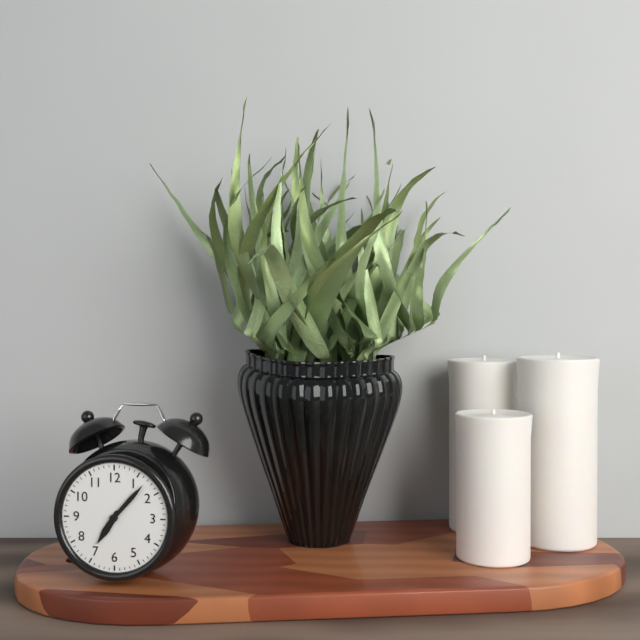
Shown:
7h07
